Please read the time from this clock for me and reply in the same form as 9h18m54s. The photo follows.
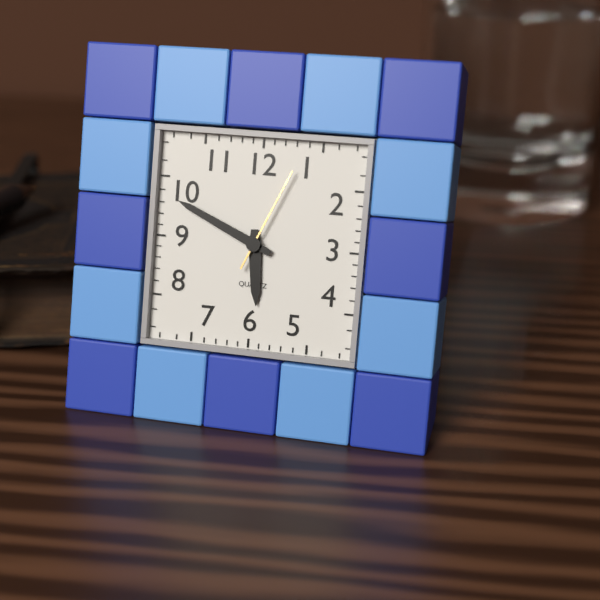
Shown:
5h49m04s
